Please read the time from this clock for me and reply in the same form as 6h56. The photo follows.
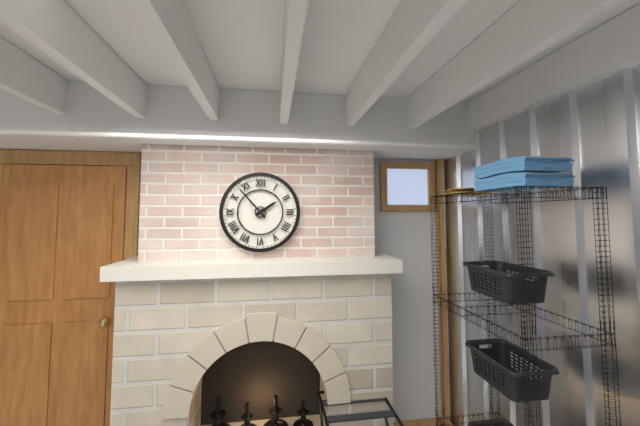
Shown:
1h53
